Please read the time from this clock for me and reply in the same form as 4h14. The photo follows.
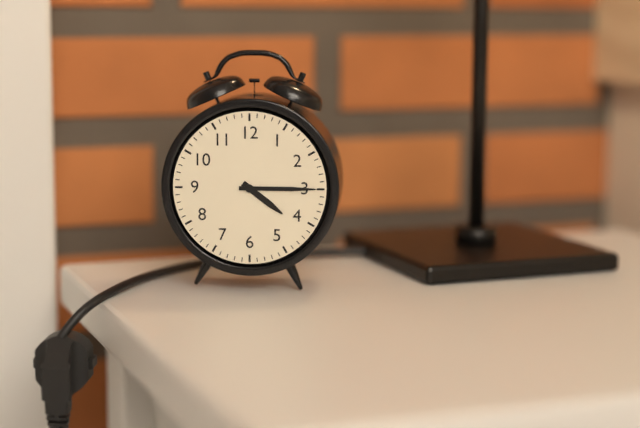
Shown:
4h15
